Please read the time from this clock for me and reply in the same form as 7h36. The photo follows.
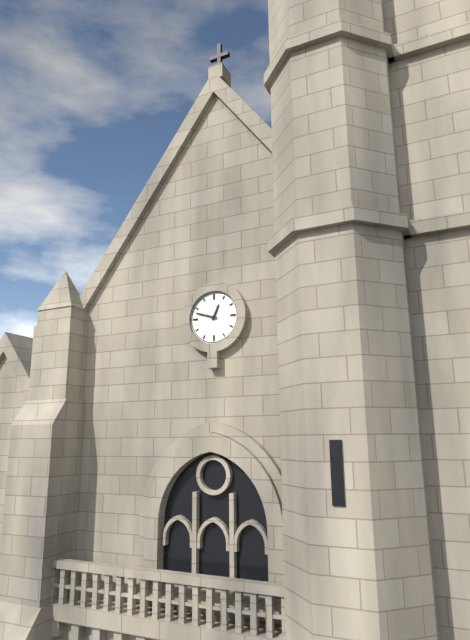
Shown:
12h48
